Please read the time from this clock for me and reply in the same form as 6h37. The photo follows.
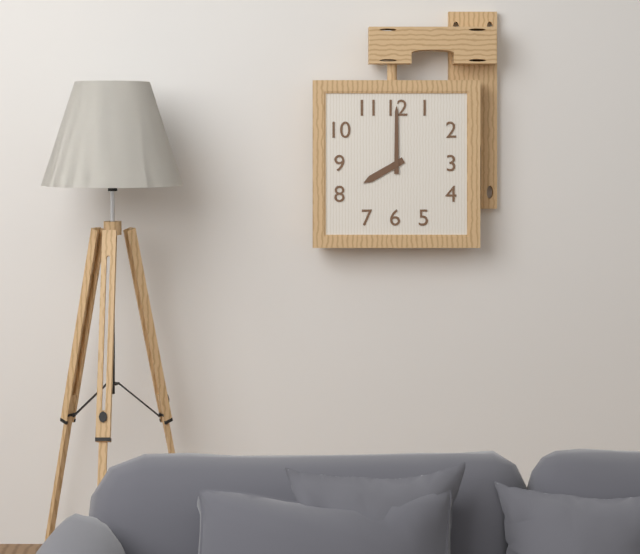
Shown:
8h00
